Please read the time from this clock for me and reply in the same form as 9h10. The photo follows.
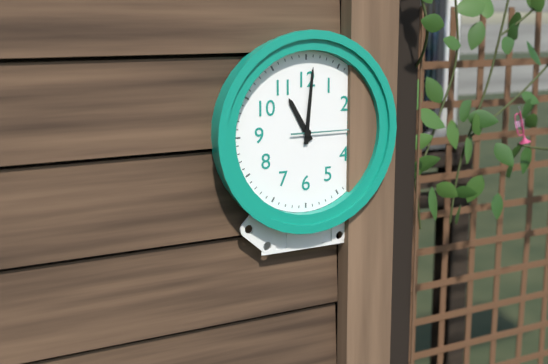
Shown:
11h01
